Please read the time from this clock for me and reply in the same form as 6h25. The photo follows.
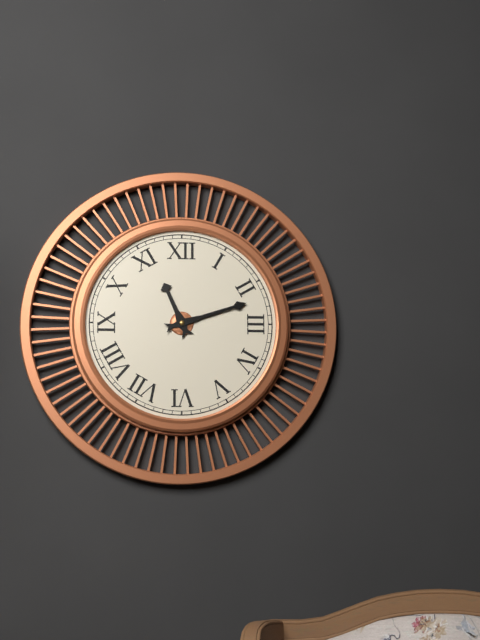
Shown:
11h12
